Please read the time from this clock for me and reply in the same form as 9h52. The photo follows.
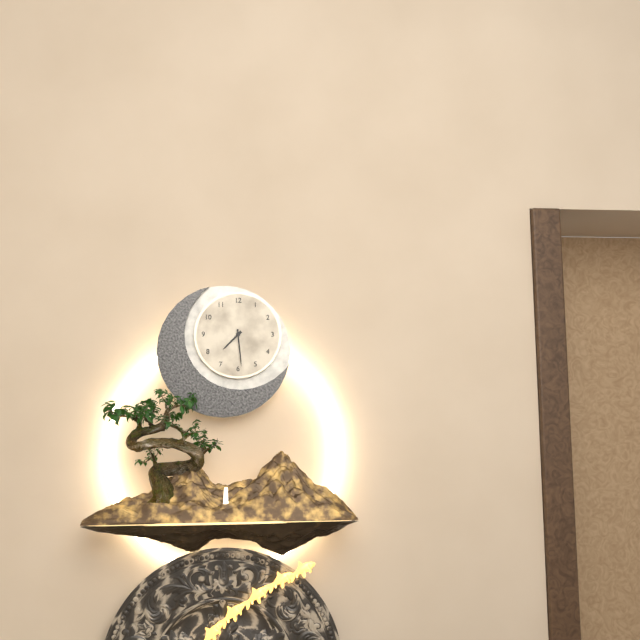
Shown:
7h29
